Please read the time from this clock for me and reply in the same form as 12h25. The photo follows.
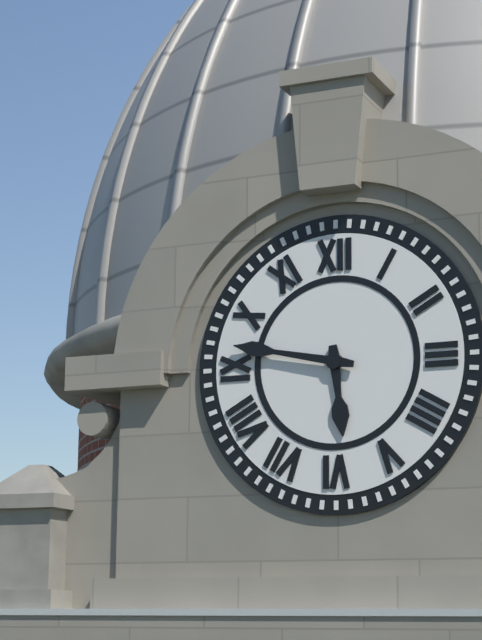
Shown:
5h47
